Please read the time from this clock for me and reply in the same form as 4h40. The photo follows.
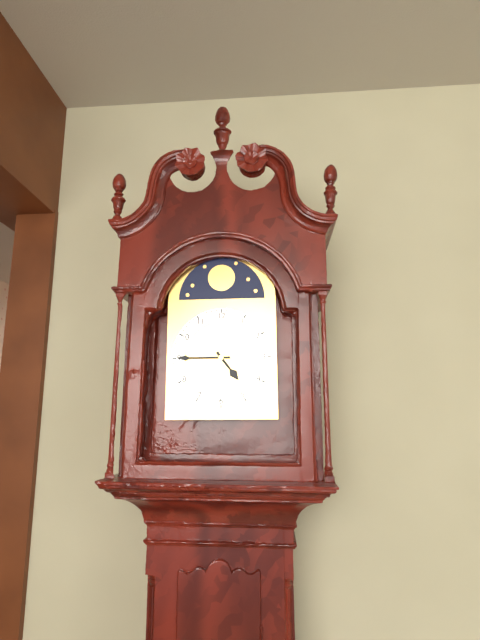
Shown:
4h45
